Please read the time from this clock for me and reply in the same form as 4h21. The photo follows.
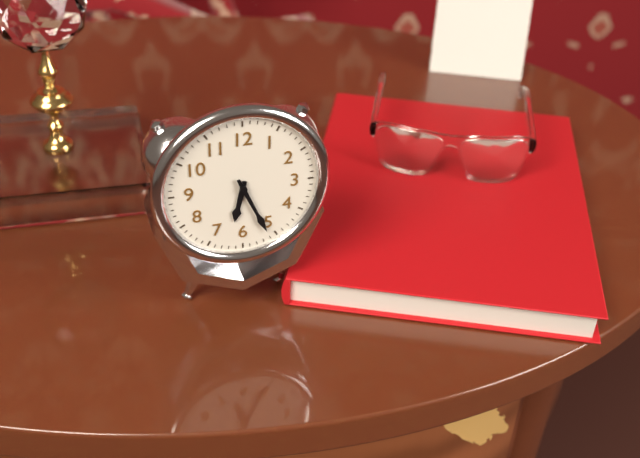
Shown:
6h26
